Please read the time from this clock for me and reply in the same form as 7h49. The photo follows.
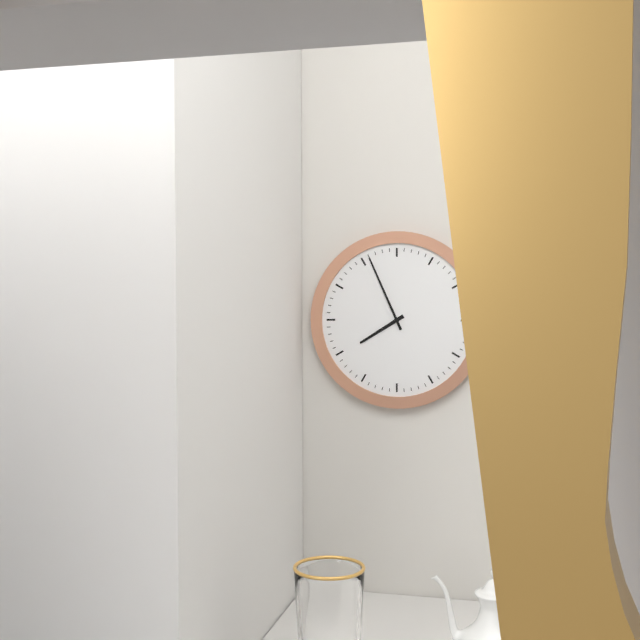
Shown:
7h56
